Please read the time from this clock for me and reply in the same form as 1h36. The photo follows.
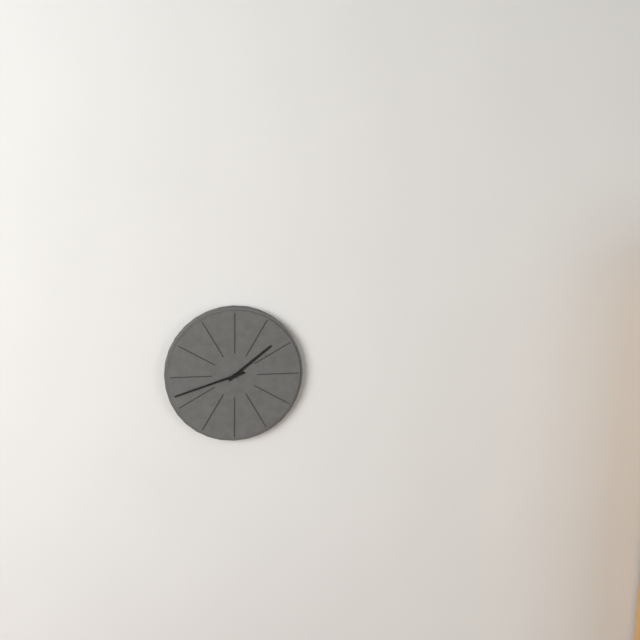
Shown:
1h42
